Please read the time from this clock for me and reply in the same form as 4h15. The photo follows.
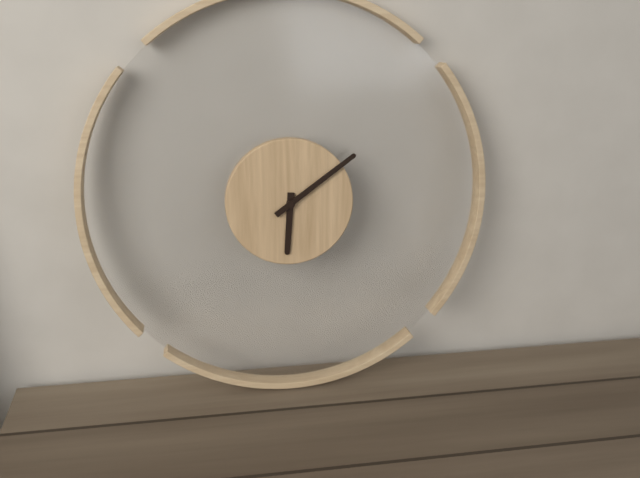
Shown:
6h09
